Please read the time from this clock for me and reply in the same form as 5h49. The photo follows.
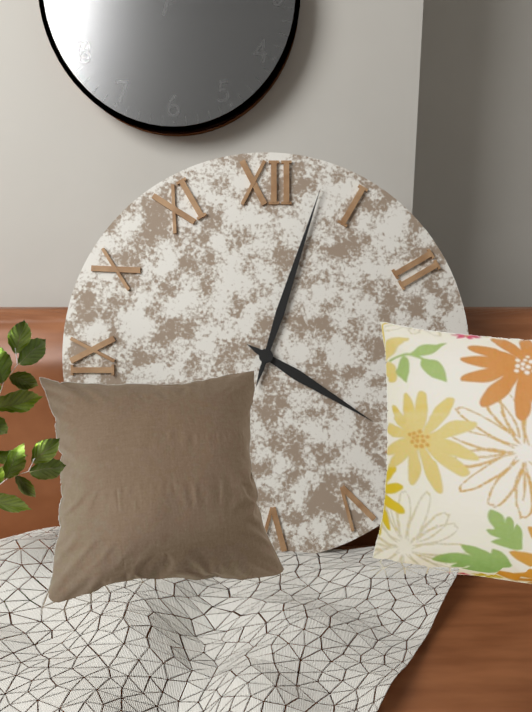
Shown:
4h03
